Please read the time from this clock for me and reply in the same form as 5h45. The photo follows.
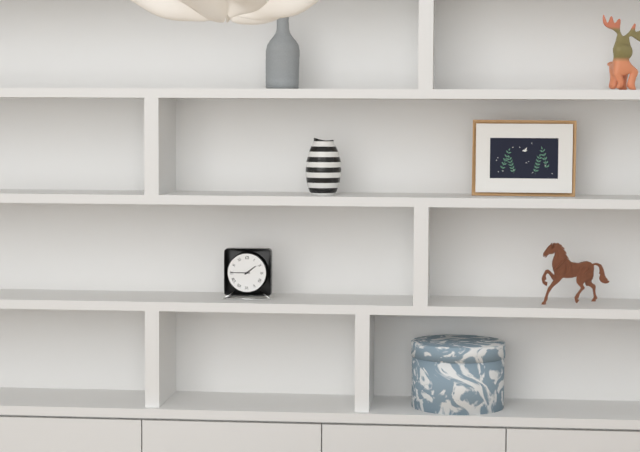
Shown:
1h45
